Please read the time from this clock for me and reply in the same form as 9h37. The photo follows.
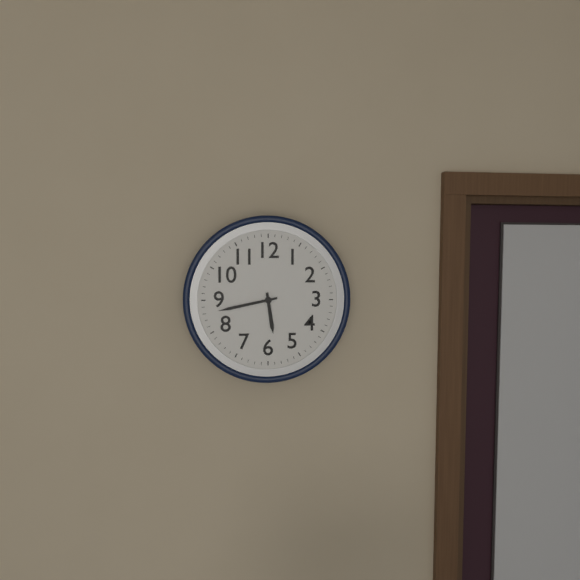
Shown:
5h43
